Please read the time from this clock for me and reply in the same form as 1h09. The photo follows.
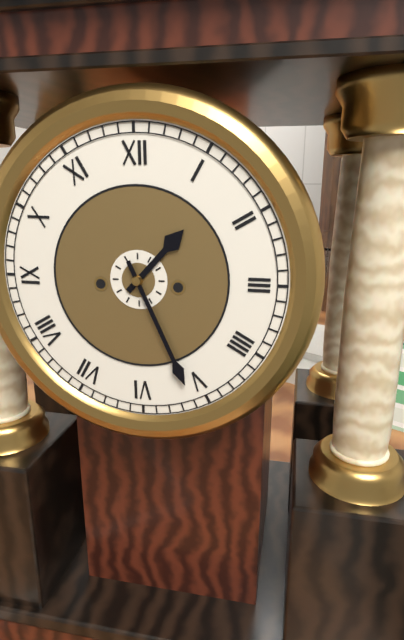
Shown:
1h26
